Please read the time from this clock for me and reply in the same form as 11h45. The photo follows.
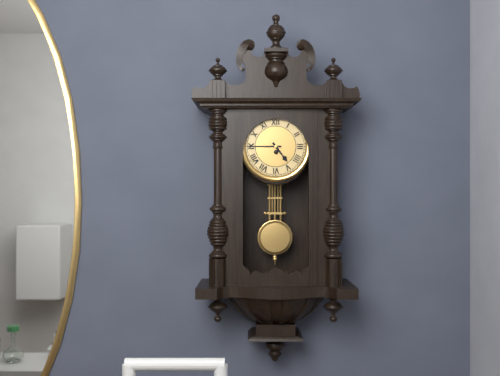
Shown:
4h45
